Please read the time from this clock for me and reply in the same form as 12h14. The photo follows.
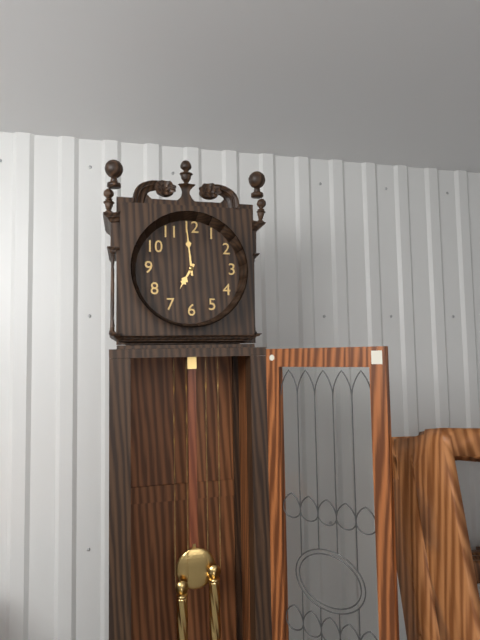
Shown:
6h59
